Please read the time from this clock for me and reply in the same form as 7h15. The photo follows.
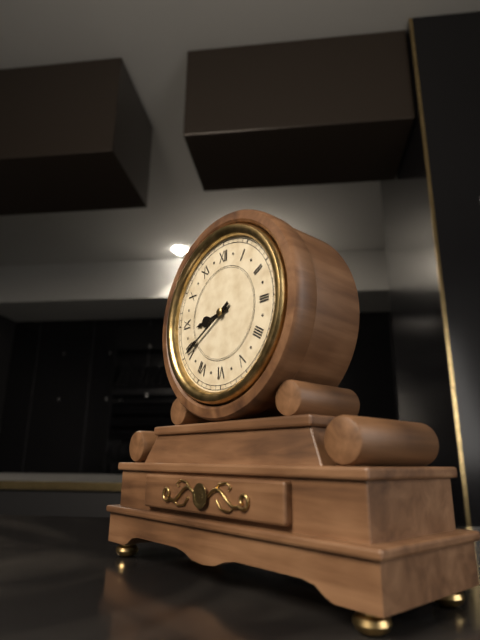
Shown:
8h40
